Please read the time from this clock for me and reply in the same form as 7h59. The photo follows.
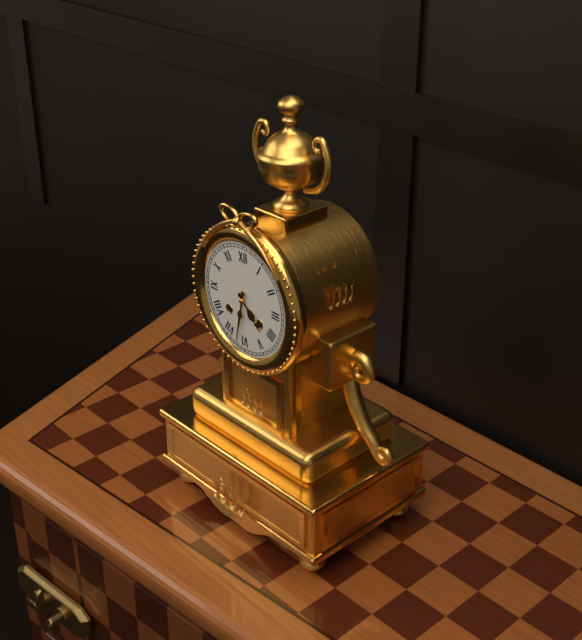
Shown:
4h32
